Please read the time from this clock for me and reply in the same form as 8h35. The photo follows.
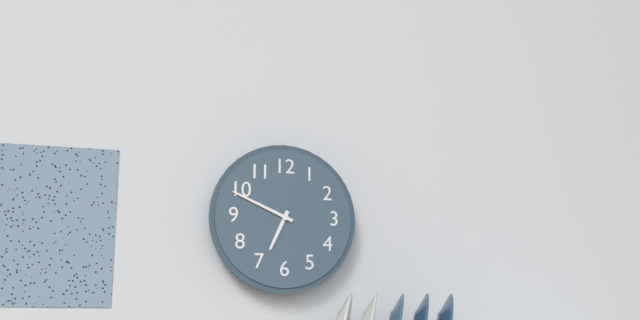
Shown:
6h49
